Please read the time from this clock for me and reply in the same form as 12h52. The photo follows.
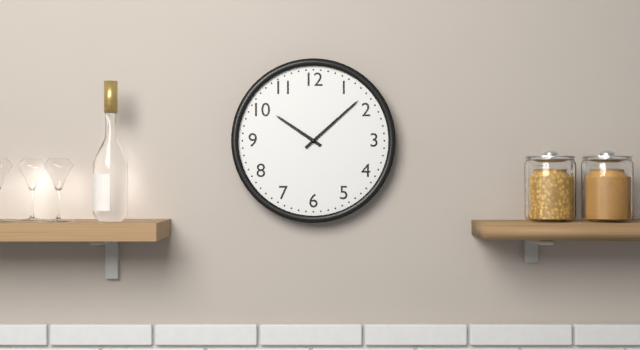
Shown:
10h08
